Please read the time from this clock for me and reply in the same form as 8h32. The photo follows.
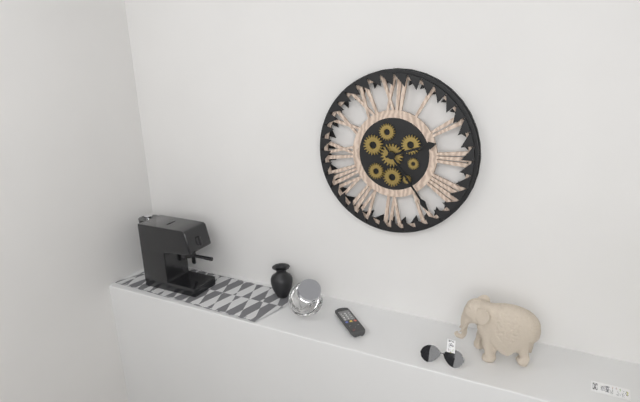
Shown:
2h24
